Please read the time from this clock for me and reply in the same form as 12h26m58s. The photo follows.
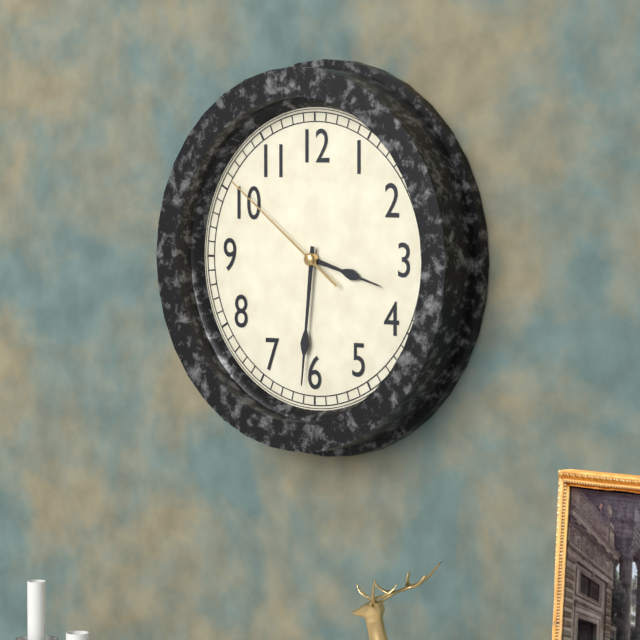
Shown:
3h31m51s
